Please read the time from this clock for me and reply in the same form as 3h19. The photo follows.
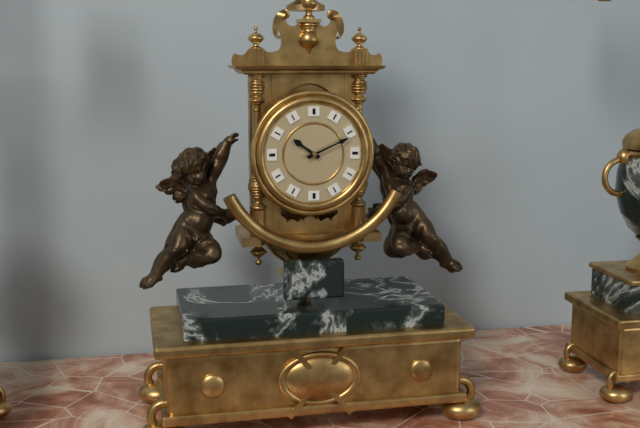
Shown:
10h11
